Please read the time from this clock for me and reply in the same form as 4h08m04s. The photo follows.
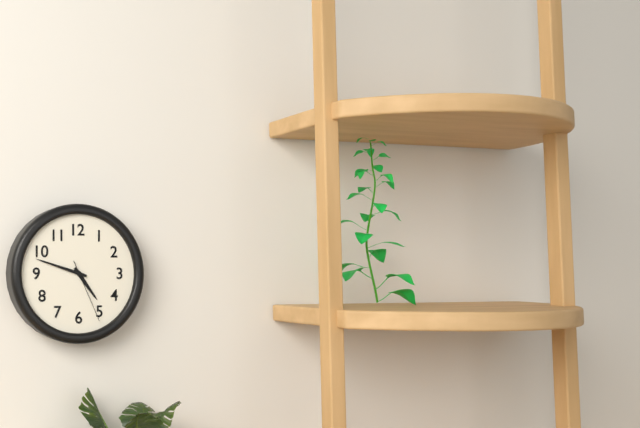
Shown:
4h48m26s
